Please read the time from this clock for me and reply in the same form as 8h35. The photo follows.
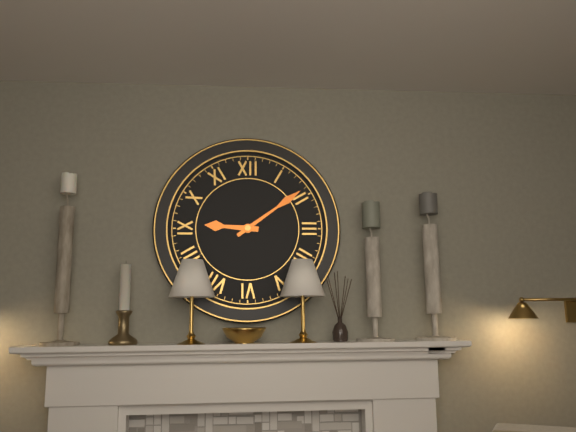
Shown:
9h09
